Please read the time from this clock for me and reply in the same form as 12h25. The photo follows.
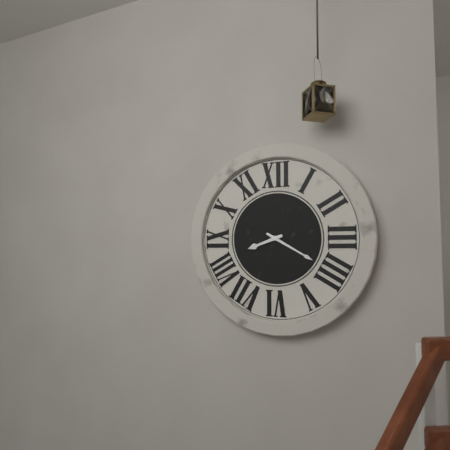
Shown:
8h20
